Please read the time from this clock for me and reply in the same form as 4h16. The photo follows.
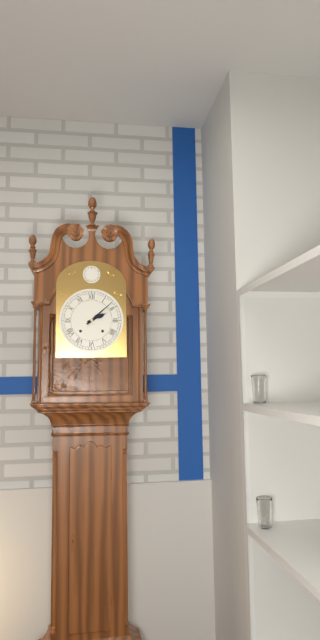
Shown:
2h08
